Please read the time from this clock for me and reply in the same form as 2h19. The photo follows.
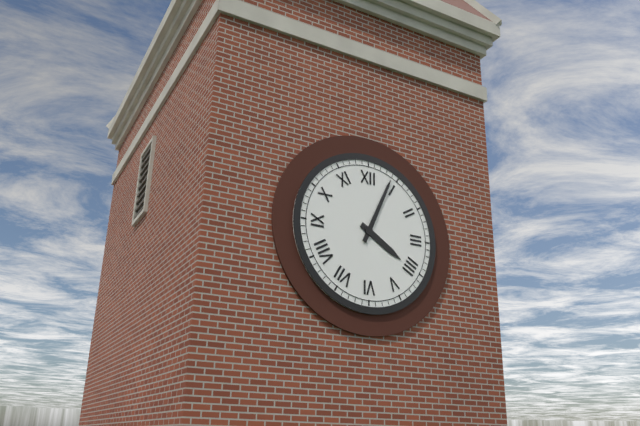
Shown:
4h04
